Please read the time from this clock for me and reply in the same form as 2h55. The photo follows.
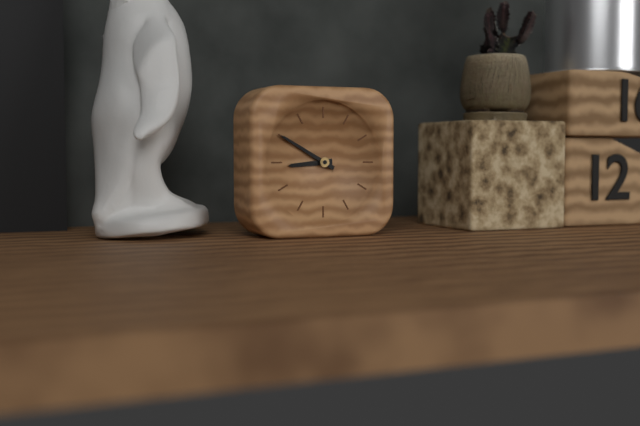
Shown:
8h50
